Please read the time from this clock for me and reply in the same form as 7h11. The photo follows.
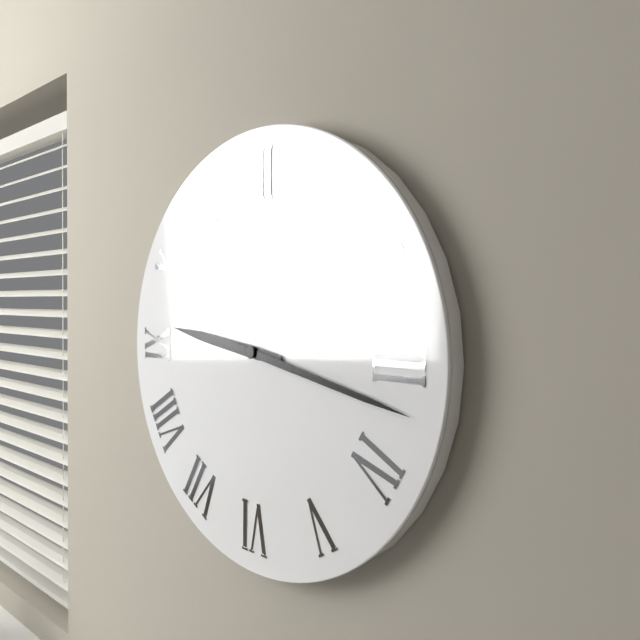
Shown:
9h17
